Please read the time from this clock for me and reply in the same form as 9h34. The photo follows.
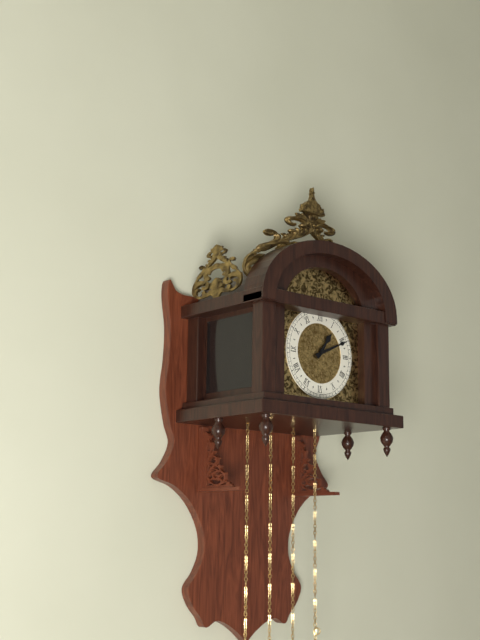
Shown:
1h11
